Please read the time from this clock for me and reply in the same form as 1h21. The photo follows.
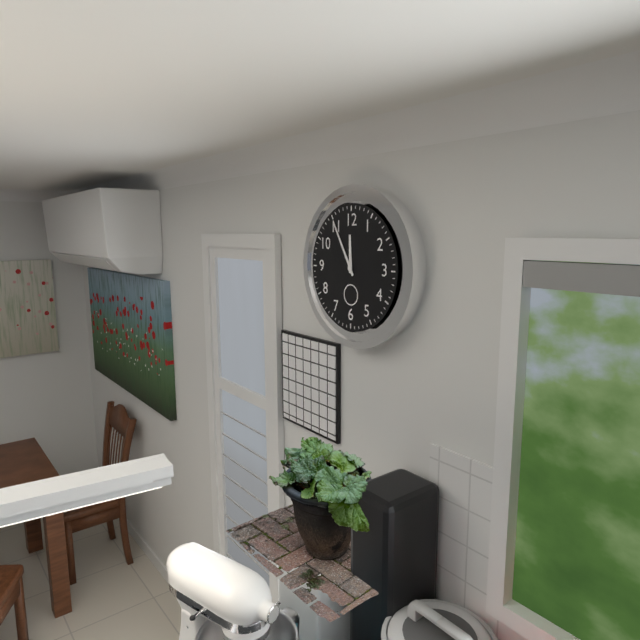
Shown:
11h55
